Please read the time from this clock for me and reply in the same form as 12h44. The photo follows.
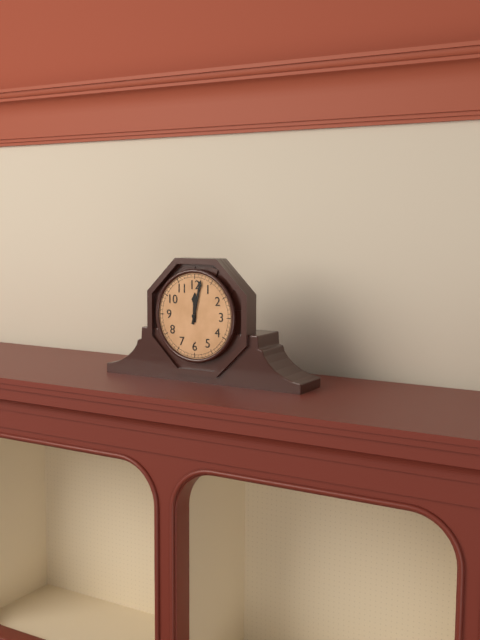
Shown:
12h02
